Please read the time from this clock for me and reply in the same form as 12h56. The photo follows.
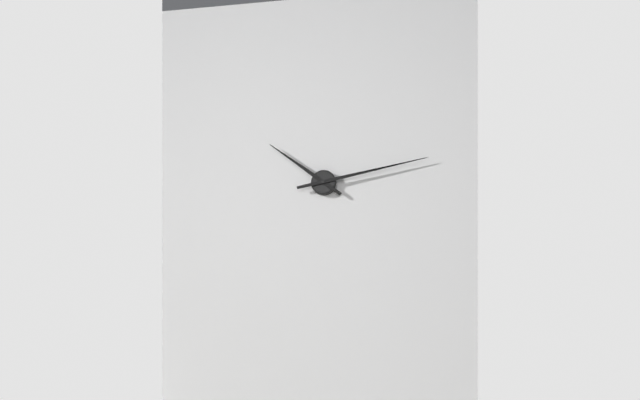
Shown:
10h13
